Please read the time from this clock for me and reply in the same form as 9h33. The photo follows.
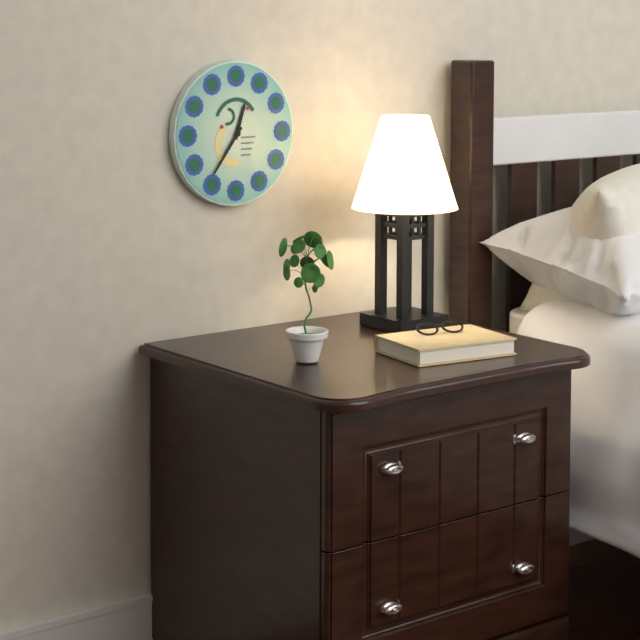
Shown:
12h36
